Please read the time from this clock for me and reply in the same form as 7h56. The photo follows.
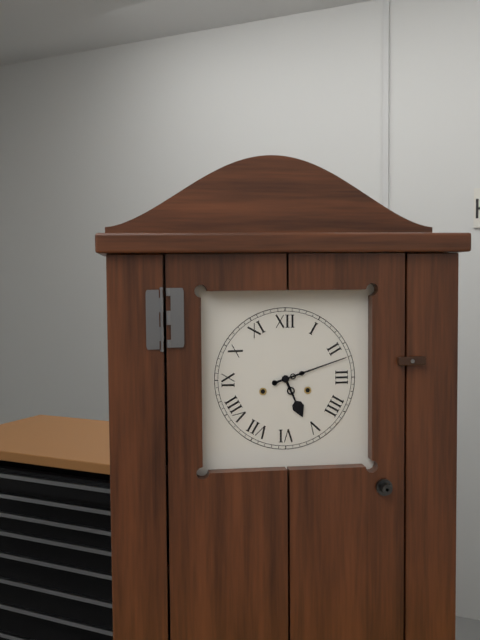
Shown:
5h12
